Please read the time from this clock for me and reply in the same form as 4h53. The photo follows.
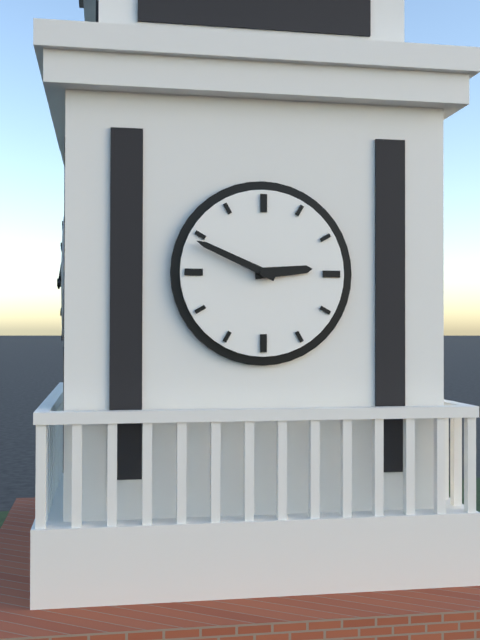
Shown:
2h49
